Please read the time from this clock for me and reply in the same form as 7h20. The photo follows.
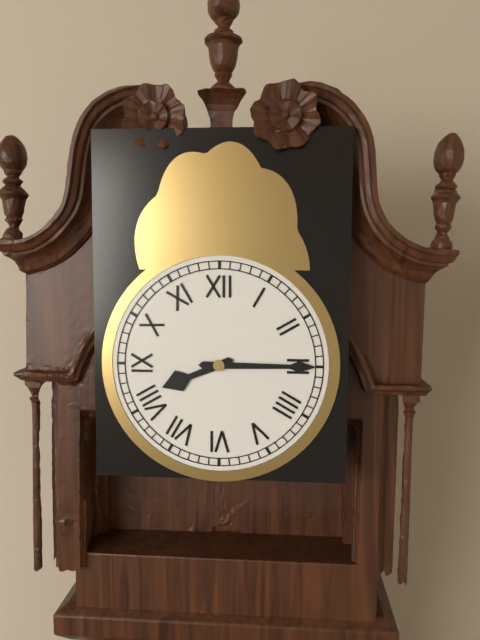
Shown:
8h15
